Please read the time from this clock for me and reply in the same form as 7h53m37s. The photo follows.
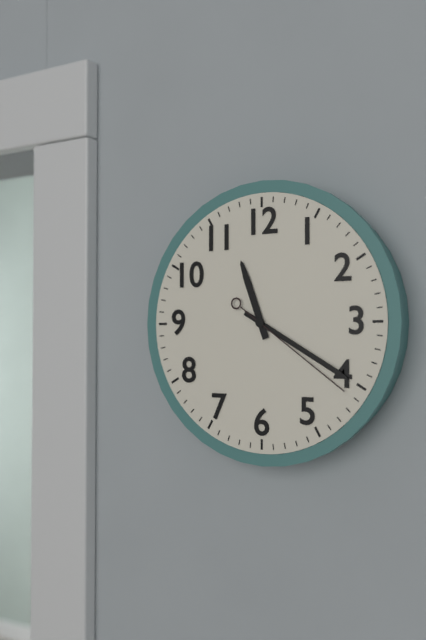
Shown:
11h20m21s
